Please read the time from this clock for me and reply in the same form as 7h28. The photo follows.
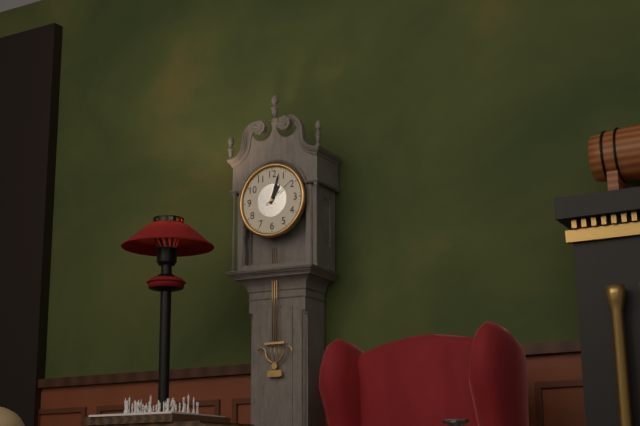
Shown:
1h03
